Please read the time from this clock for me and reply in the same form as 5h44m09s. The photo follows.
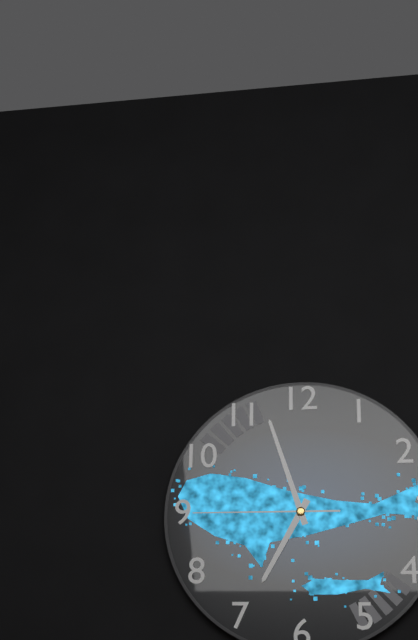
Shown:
6h57m45s
